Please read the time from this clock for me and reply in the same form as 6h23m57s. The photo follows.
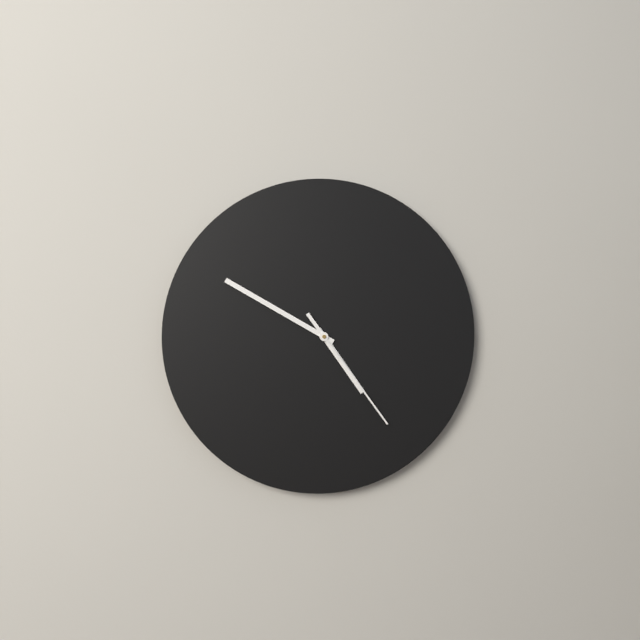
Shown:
4h50m24s
